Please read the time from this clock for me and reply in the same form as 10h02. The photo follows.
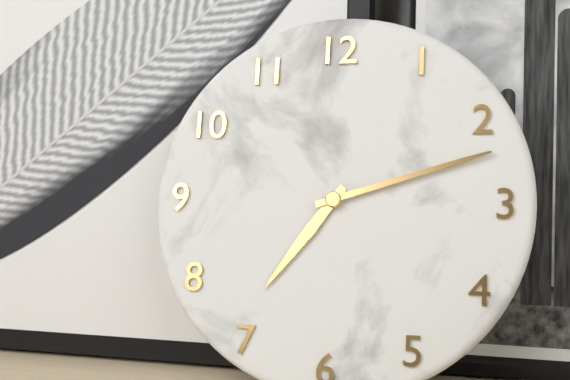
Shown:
7h12
